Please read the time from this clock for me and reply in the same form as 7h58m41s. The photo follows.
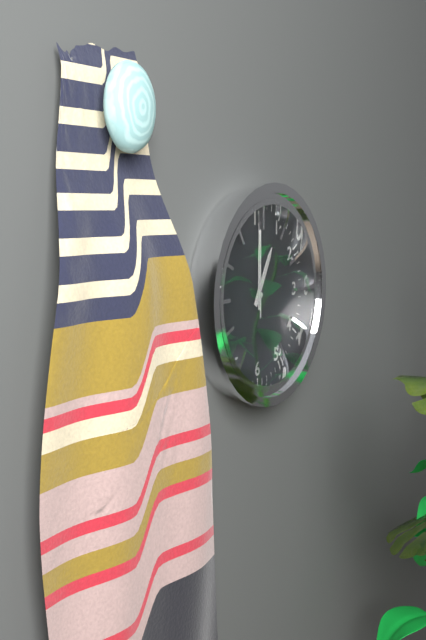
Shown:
1h00m00s
